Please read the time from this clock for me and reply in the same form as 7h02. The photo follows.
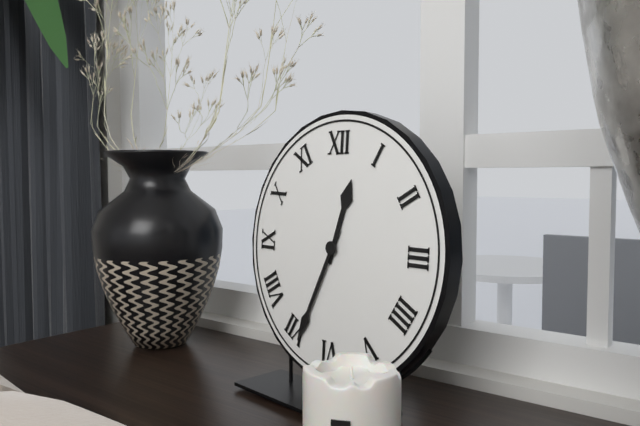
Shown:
12h34
